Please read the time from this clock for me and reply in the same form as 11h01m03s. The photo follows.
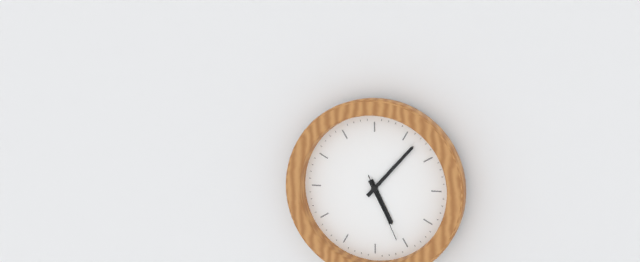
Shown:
5h07m26s
